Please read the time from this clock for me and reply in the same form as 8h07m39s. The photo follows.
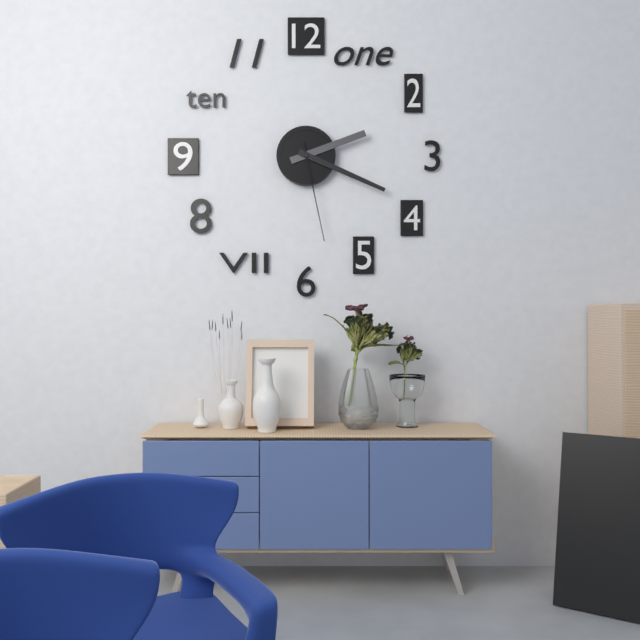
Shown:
2h19m28s
